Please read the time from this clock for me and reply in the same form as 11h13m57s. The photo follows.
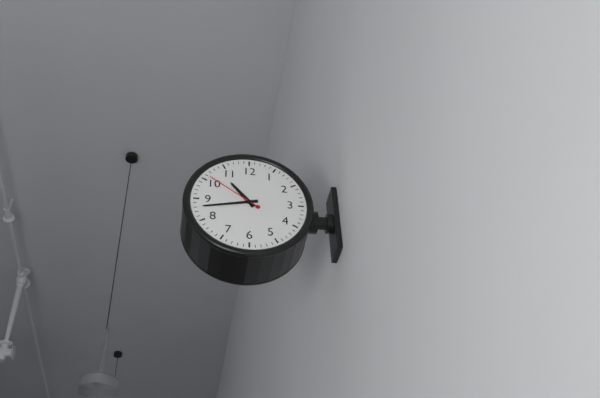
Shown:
10h43m51s
